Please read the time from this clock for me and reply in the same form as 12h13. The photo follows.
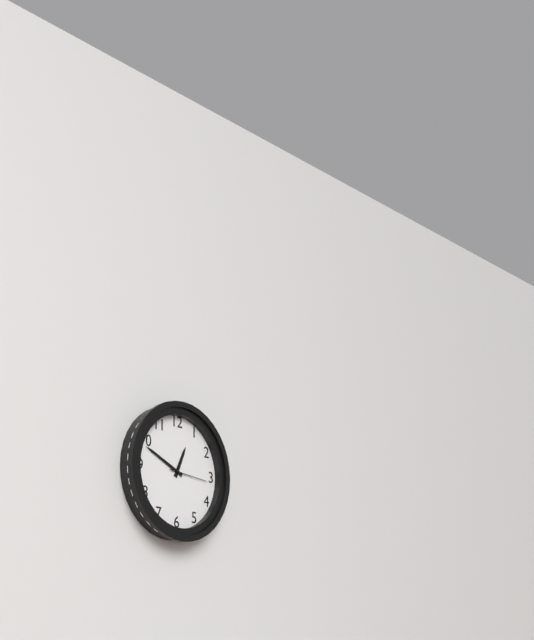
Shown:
12h49
